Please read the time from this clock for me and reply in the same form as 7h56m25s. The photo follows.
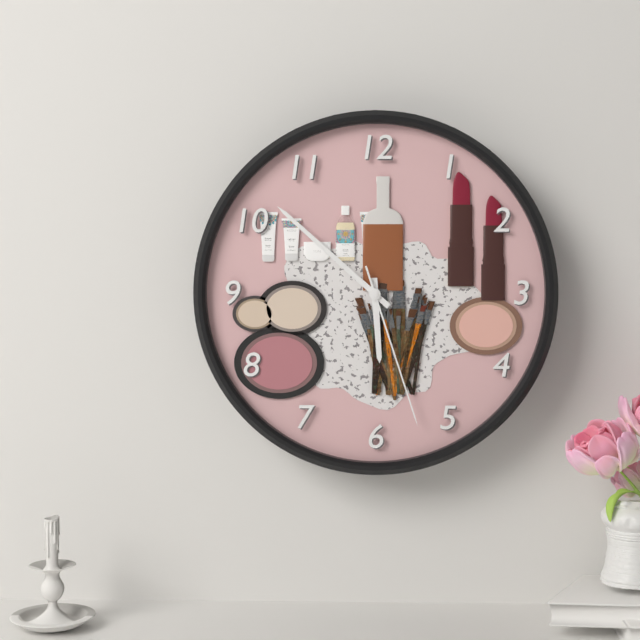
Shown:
5h52m27s
